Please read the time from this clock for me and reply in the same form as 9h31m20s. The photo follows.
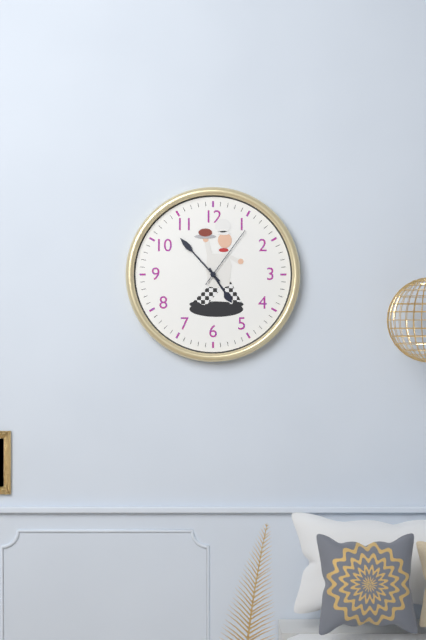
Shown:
4h53m06s
